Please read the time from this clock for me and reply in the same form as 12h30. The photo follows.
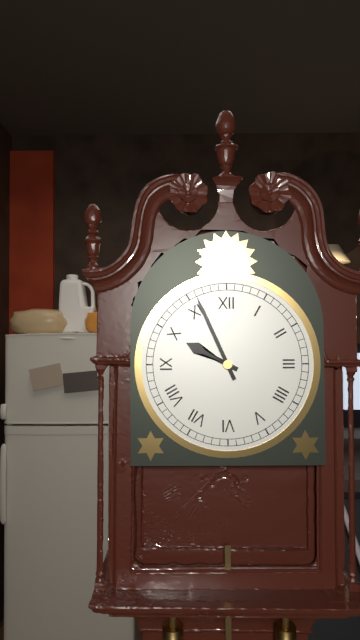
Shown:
9h56
